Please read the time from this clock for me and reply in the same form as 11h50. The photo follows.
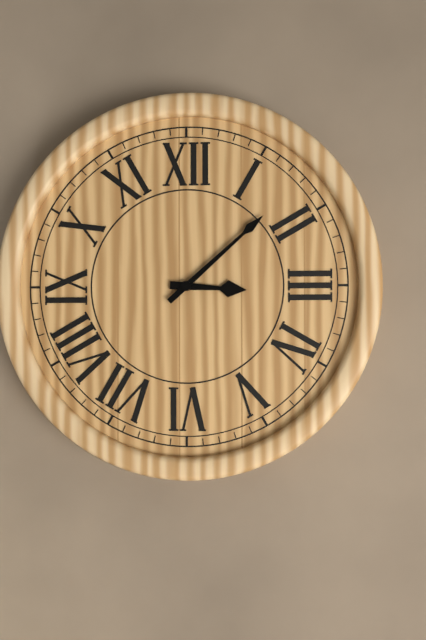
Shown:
3h08
